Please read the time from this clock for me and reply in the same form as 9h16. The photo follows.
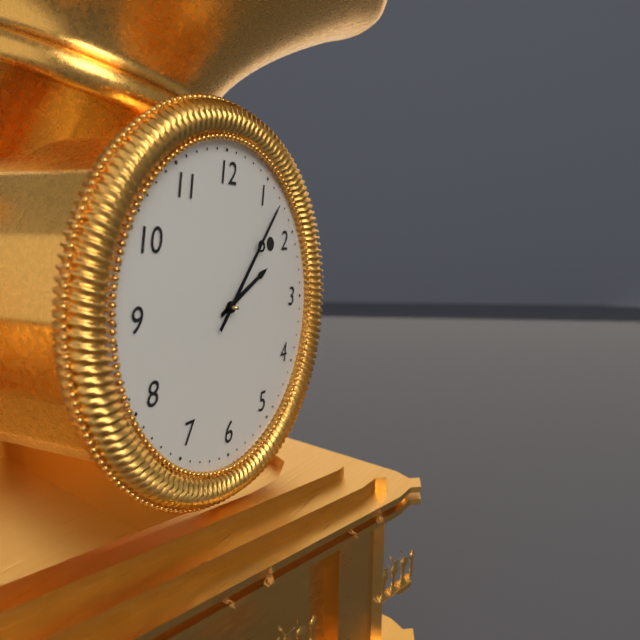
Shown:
2h07
